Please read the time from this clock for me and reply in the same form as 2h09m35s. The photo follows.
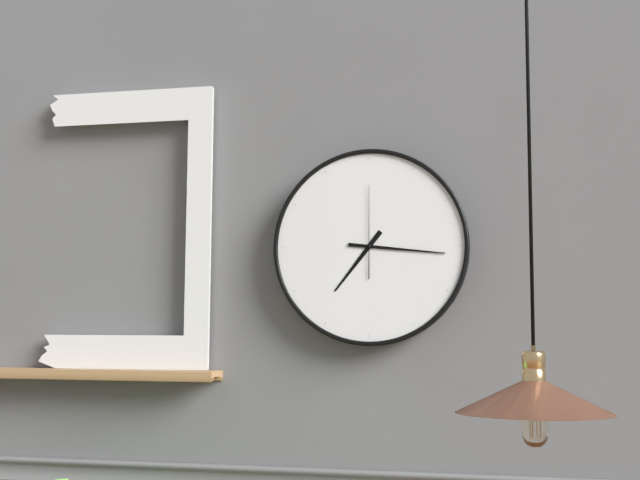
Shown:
7h16m00s
